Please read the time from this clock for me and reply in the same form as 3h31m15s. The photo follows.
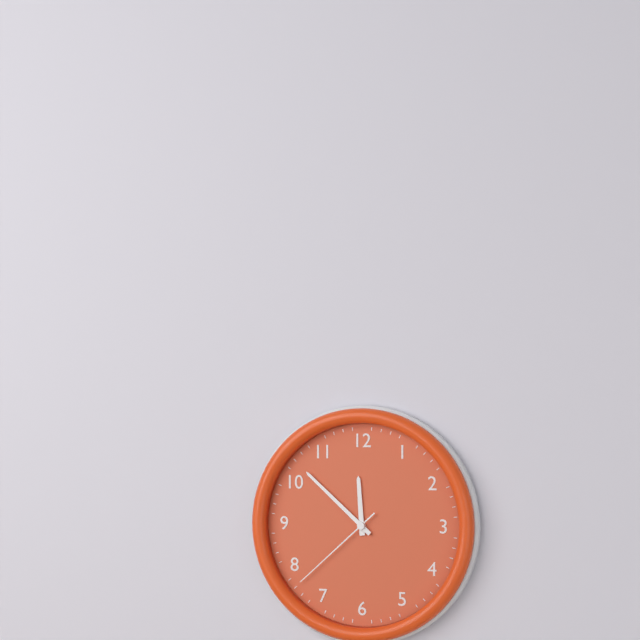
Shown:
11h52m38s
